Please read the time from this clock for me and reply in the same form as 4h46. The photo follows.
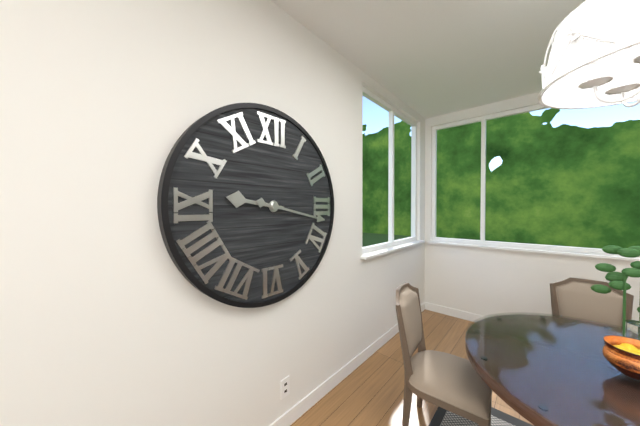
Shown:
9h17
